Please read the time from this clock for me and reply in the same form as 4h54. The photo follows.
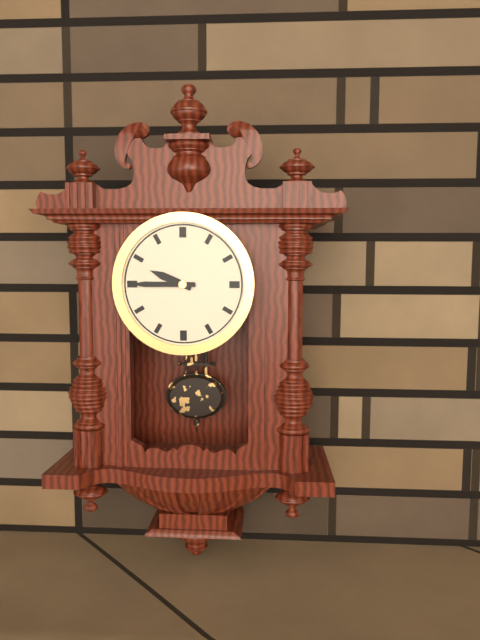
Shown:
9h45
